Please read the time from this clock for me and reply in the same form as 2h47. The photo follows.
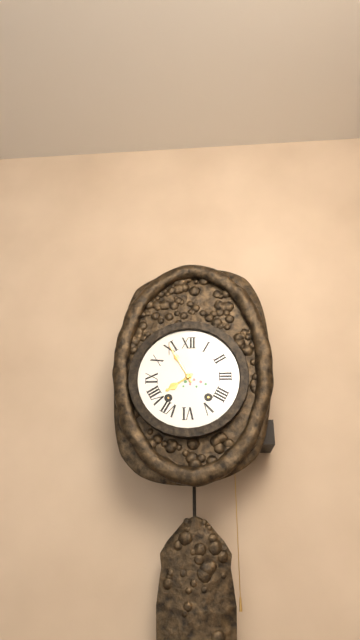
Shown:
7h55
